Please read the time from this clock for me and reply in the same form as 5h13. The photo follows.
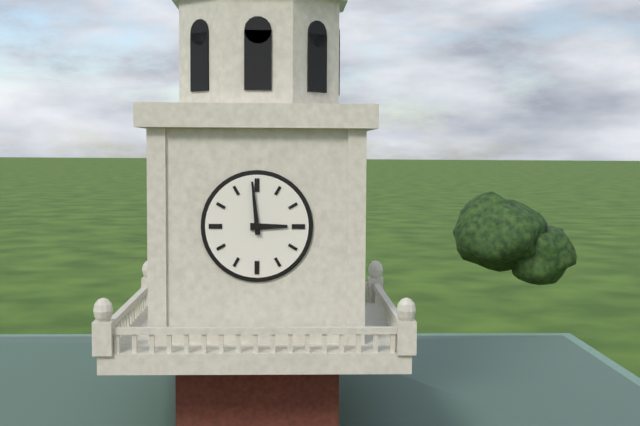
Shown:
2h59
